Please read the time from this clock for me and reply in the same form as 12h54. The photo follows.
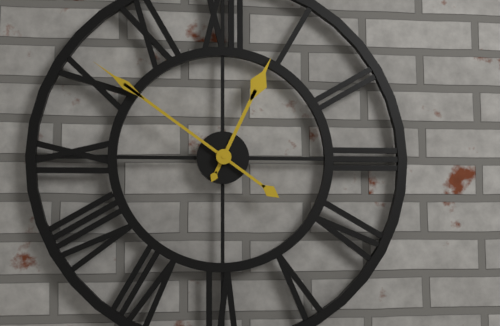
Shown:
12h51
